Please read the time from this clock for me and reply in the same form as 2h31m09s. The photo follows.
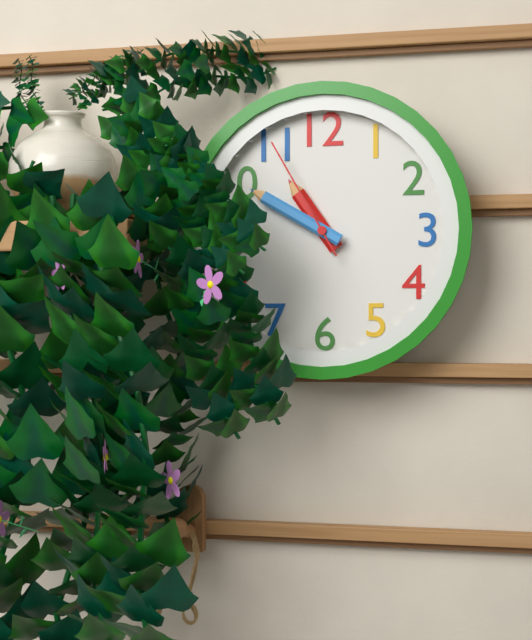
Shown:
10h50m55s
